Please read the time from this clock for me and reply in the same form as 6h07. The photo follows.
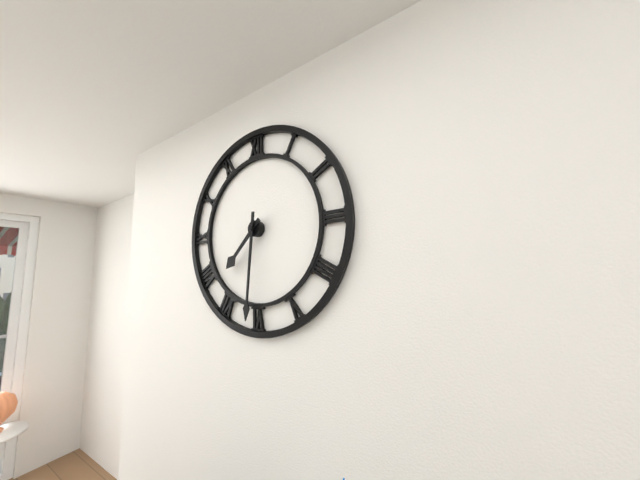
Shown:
7h31
